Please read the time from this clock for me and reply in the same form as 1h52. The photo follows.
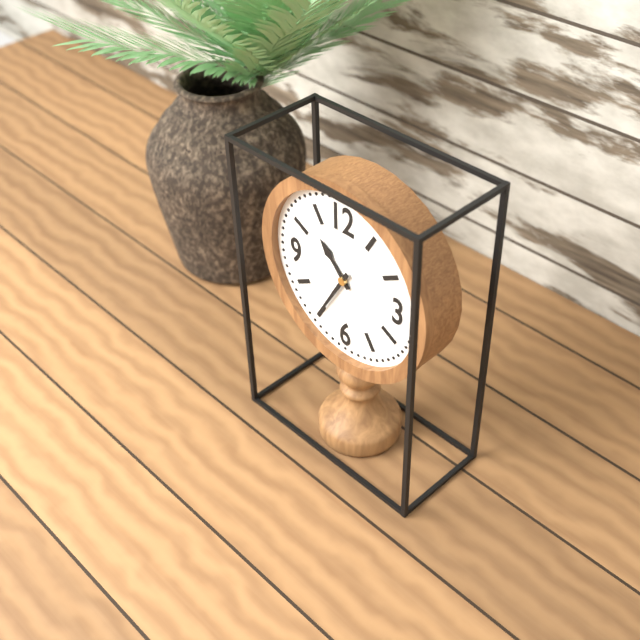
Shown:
10h35
